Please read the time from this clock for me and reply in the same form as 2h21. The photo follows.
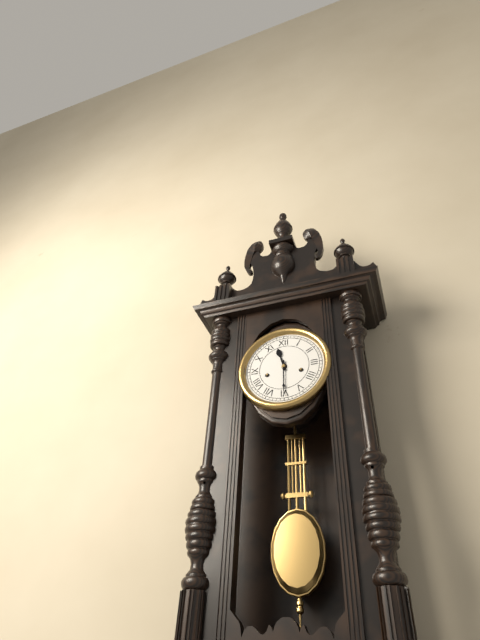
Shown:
11h30
